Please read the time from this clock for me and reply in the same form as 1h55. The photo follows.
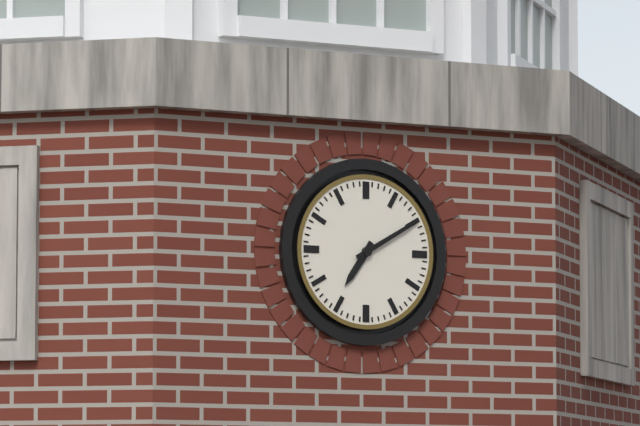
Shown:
7h10
